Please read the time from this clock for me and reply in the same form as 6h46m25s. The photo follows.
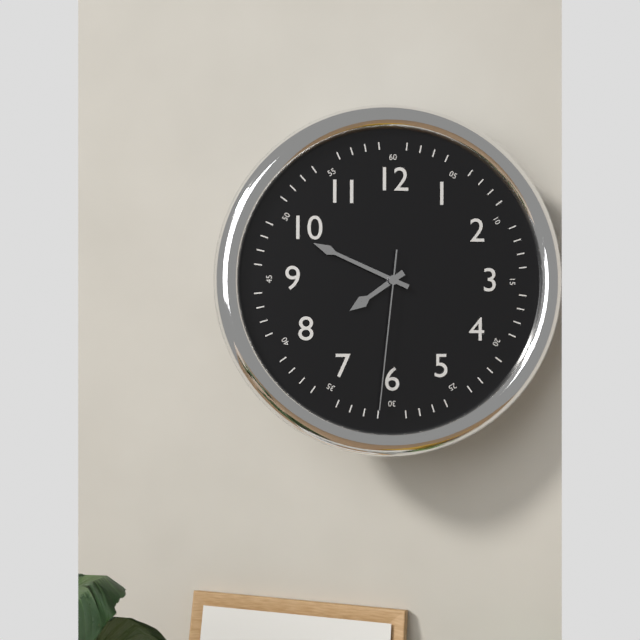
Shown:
7h49m31s
